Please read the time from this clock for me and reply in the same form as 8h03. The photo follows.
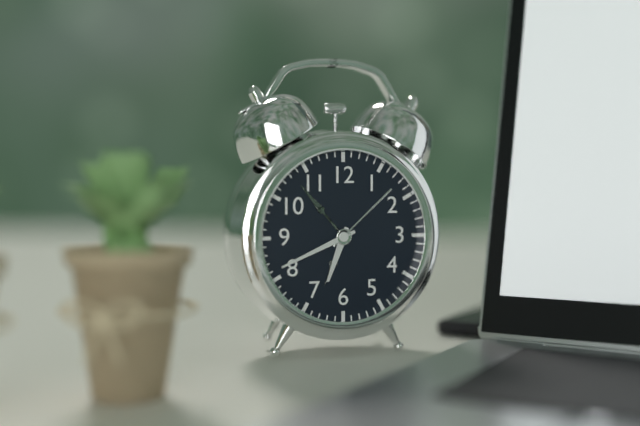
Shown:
6h41
